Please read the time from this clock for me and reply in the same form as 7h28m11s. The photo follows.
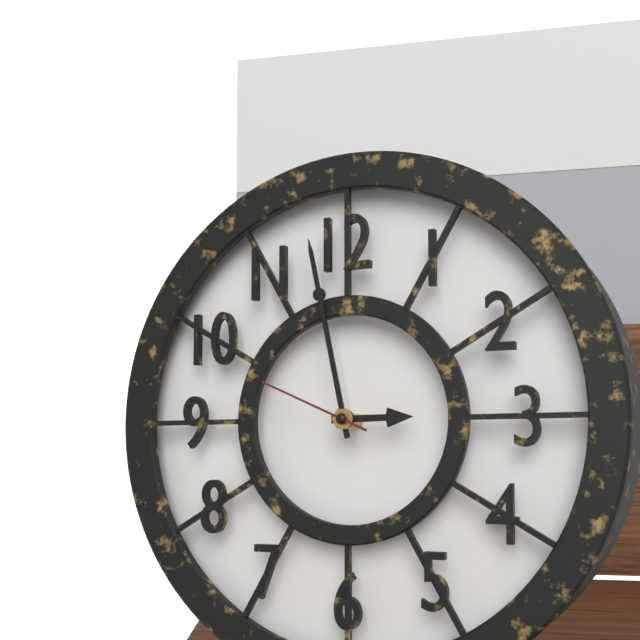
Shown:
2h58m49s
